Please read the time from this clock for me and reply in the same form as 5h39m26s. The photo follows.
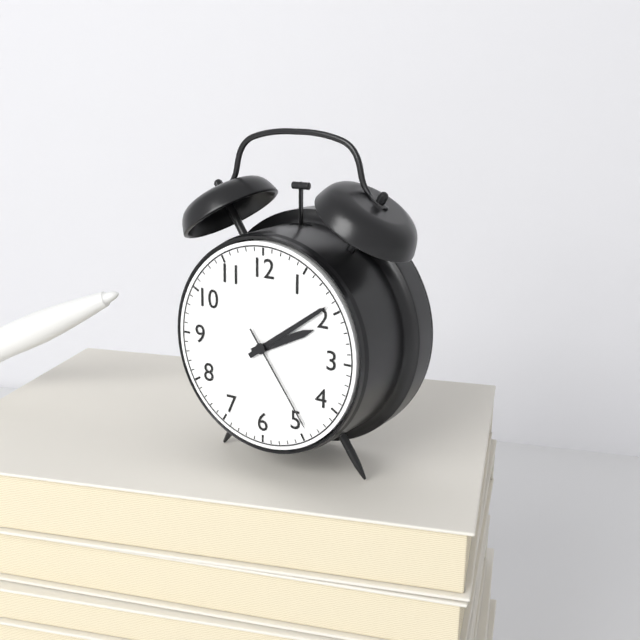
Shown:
2h09m24s
